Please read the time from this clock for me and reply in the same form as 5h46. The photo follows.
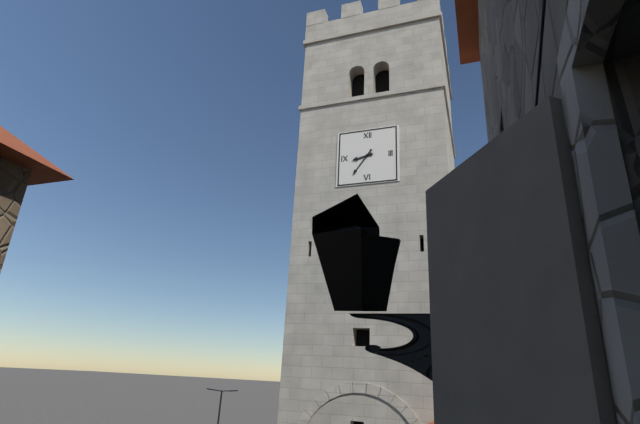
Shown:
8h36
